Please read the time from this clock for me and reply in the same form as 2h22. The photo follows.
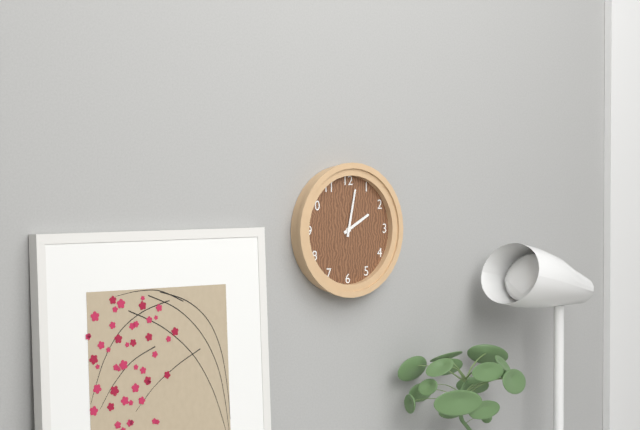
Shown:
2h02
